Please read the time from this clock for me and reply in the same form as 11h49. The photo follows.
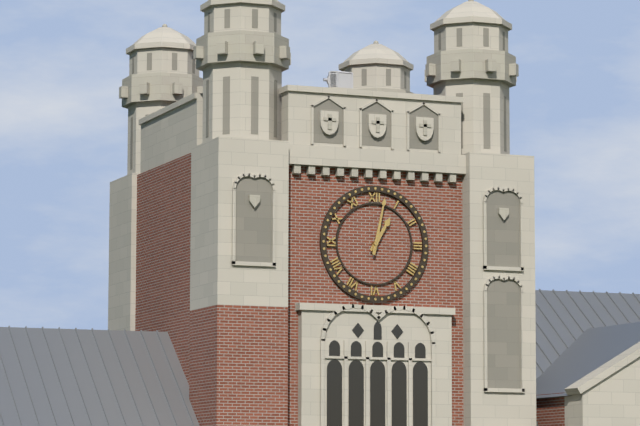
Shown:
1h02
